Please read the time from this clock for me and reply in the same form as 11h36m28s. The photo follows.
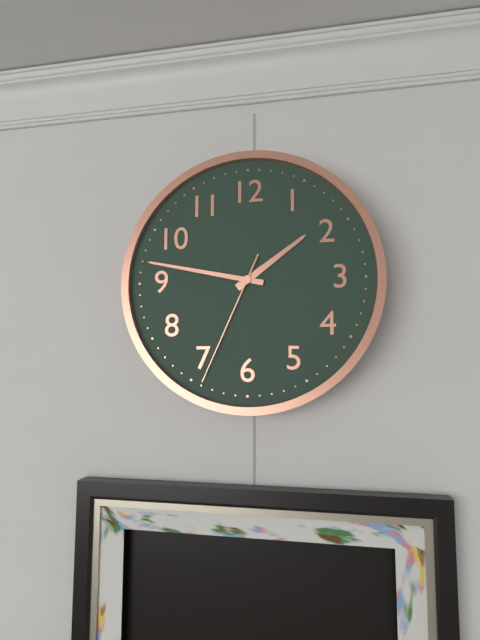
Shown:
1h47m34s
